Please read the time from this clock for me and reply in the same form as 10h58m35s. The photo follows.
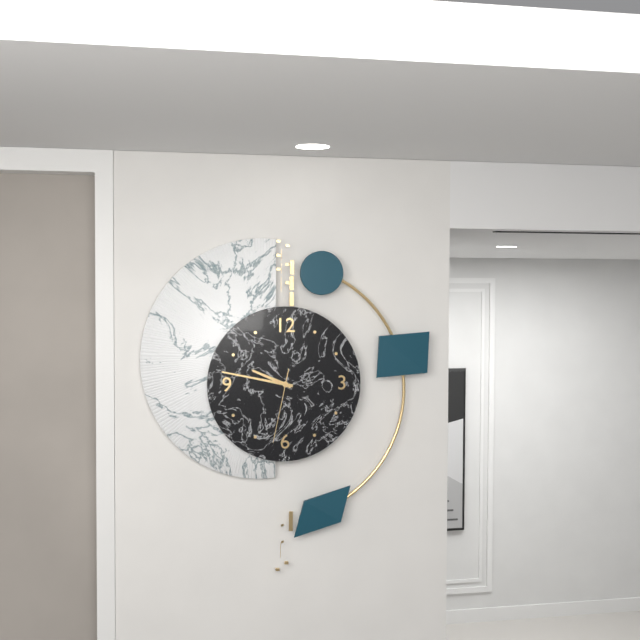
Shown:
9h47m32s
